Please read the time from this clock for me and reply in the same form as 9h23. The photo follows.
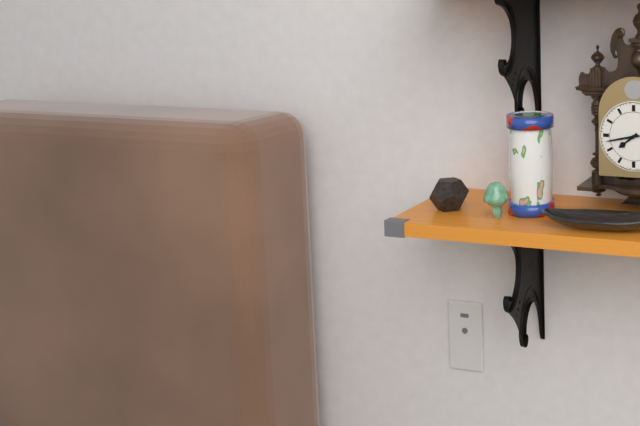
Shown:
7h43
